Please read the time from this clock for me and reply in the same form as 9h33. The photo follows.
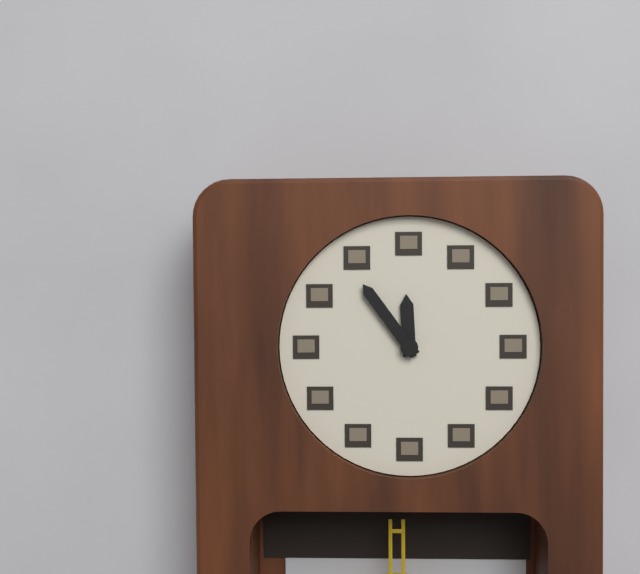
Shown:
11h54
